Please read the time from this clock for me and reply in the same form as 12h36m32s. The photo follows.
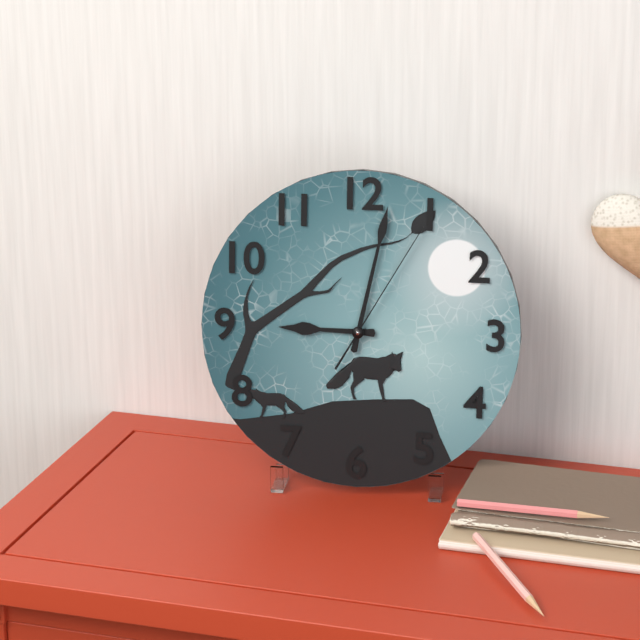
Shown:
9h02m05s
